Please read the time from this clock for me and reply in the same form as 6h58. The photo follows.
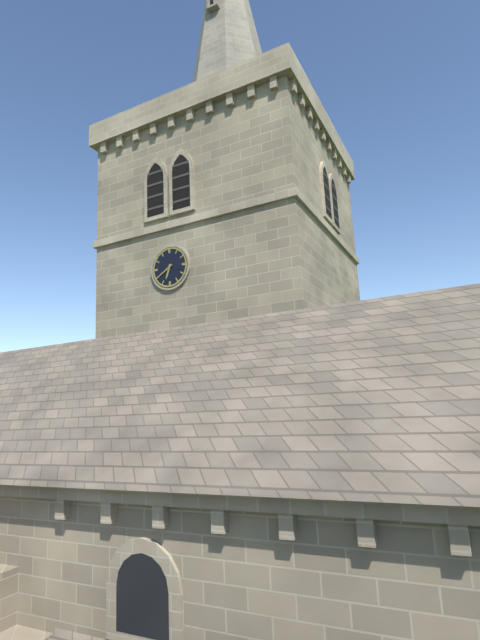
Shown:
6h40
